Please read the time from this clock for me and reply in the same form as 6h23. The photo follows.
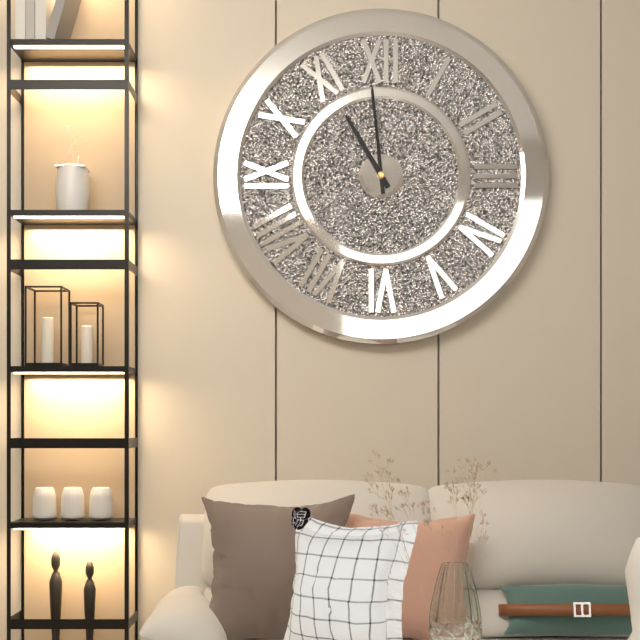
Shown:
10h59
